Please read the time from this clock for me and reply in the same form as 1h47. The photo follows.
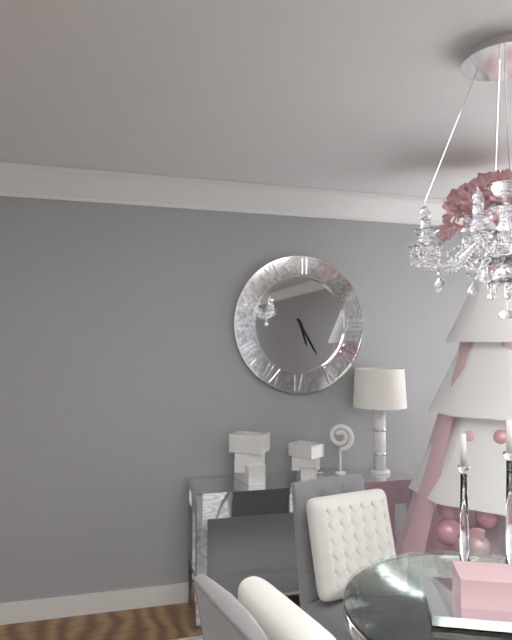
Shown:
5h25
